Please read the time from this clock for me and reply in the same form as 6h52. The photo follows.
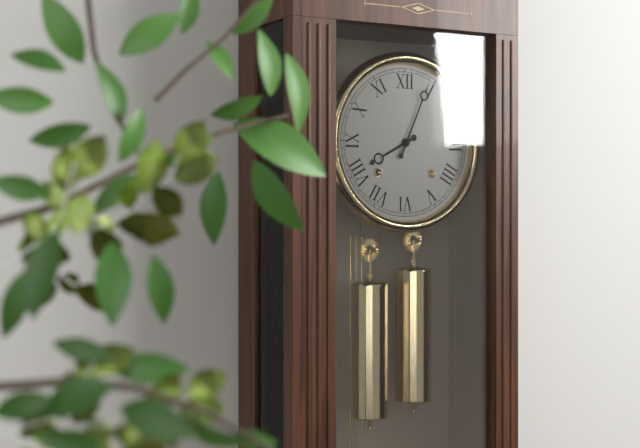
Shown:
8h04
